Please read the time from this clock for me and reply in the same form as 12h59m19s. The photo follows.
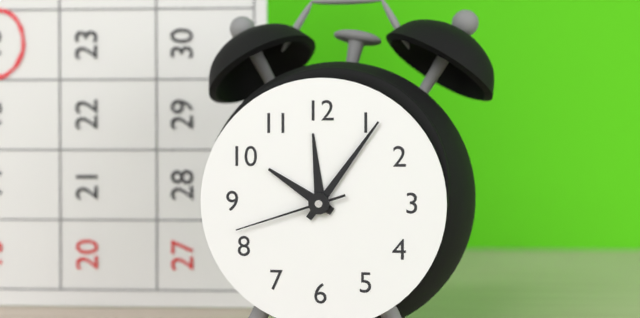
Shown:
10h06m42s
